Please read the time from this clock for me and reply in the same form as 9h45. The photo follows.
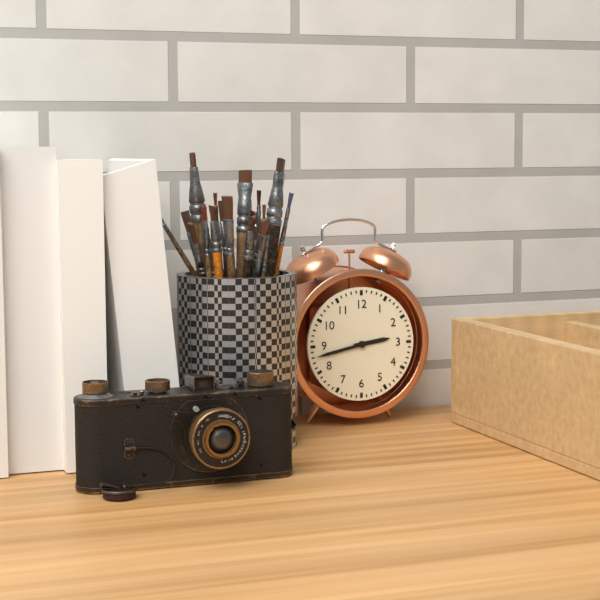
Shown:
2h43
